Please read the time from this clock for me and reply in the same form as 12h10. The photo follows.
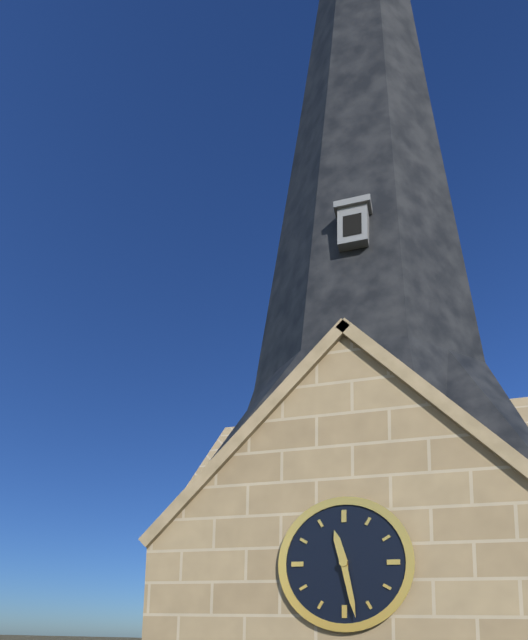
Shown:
11h28
